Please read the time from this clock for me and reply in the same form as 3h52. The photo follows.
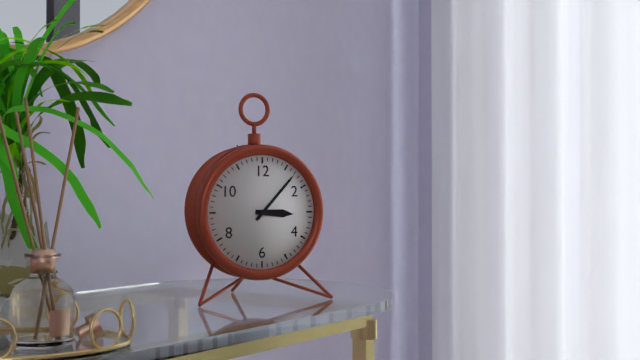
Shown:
3h07
